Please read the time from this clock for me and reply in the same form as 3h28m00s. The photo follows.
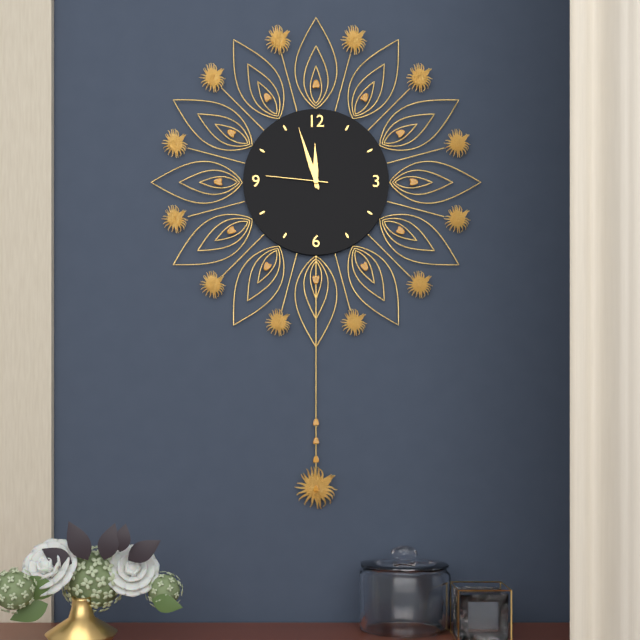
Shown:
11h57m46s
